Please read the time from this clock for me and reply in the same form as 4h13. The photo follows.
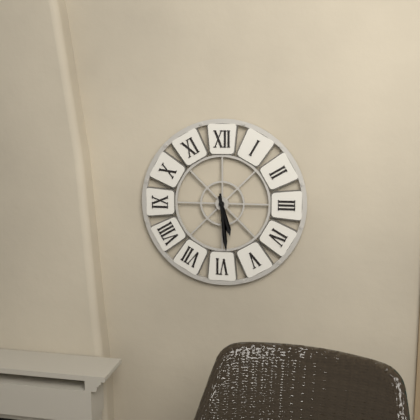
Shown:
5h29
